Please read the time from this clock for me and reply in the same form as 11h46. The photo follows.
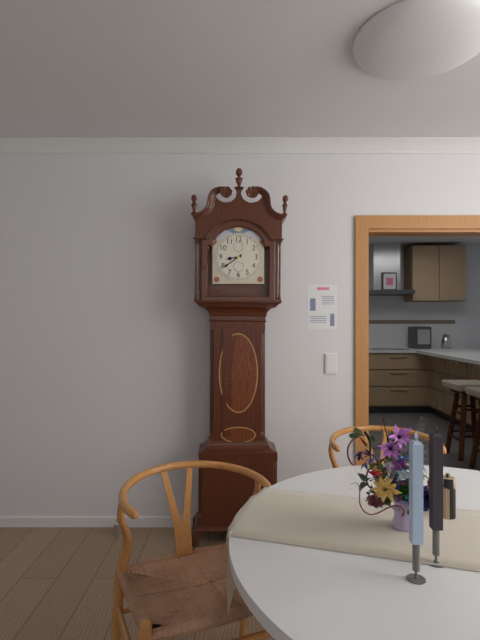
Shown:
8h39
